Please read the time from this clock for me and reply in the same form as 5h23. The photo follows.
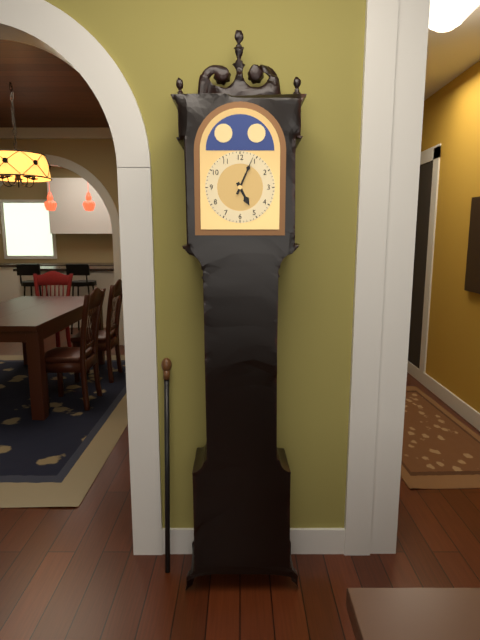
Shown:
5h04
